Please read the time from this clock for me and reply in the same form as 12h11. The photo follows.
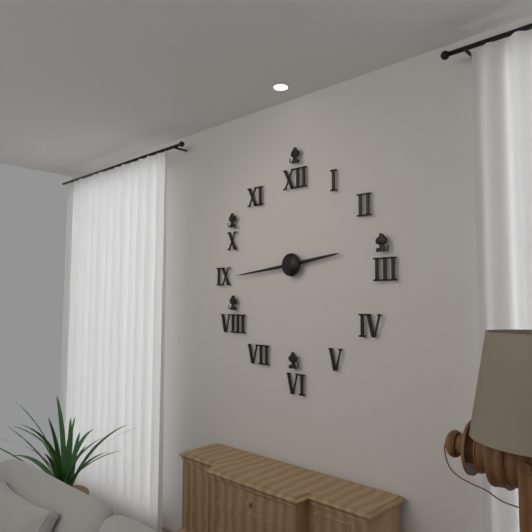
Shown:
2h44
